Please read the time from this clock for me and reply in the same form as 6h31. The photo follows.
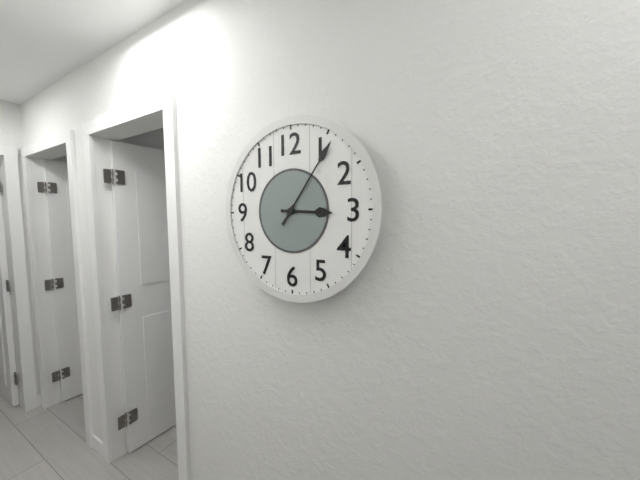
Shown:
3h06
